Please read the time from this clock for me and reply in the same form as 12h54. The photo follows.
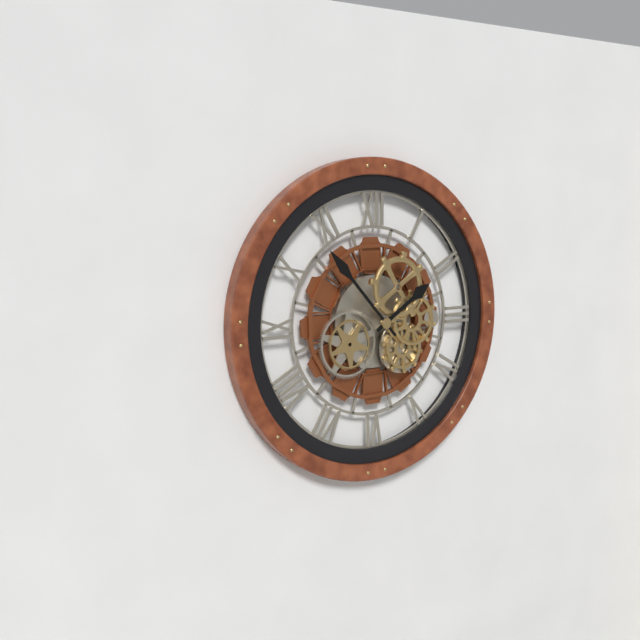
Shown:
1h53
